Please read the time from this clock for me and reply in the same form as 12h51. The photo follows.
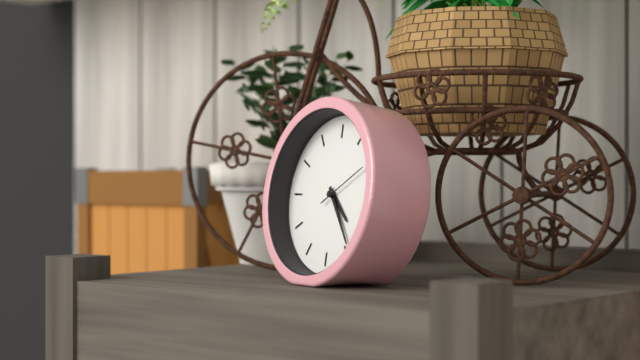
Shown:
4h24
